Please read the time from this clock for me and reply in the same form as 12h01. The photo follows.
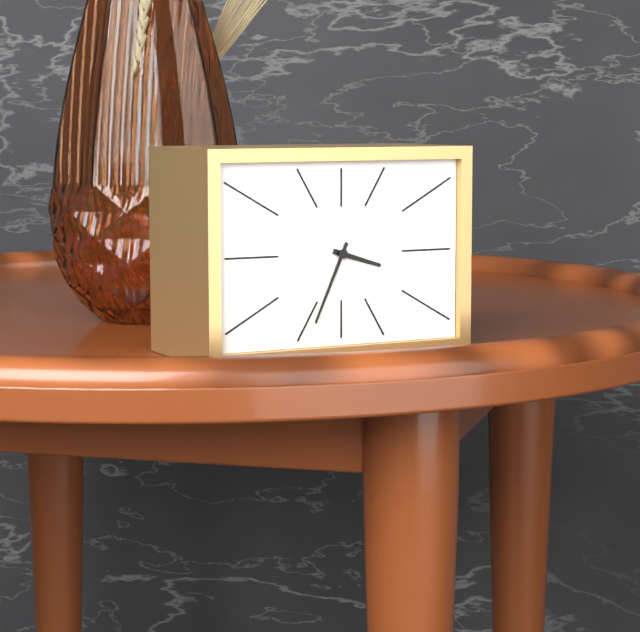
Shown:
3h34
